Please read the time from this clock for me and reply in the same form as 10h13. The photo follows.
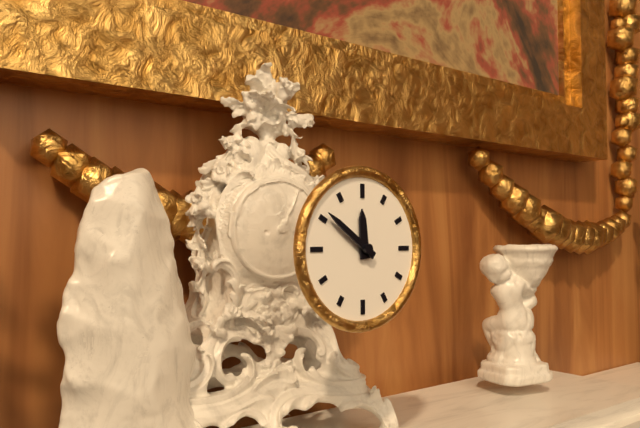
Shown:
11h51
